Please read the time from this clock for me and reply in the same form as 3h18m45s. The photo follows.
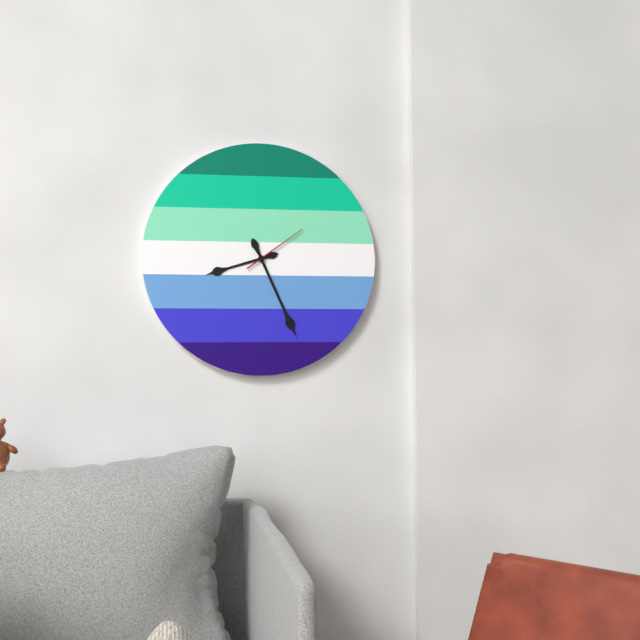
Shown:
8h26m09s
